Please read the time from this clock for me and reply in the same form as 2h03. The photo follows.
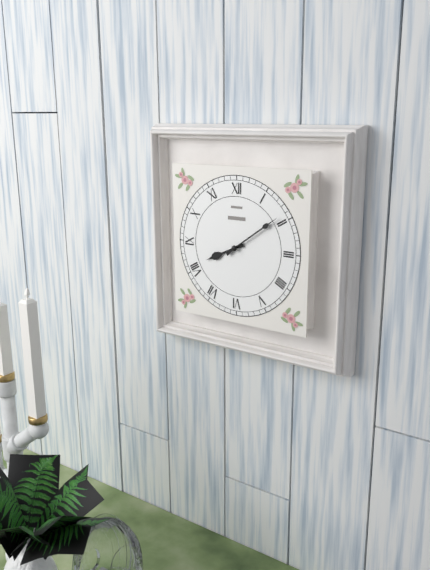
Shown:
8h09
